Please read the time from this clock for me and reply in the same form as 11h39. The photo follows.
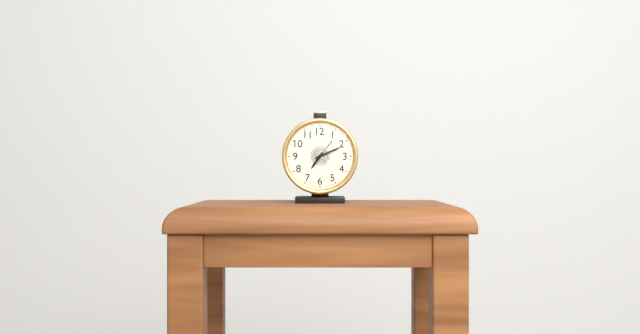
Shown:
7h11
